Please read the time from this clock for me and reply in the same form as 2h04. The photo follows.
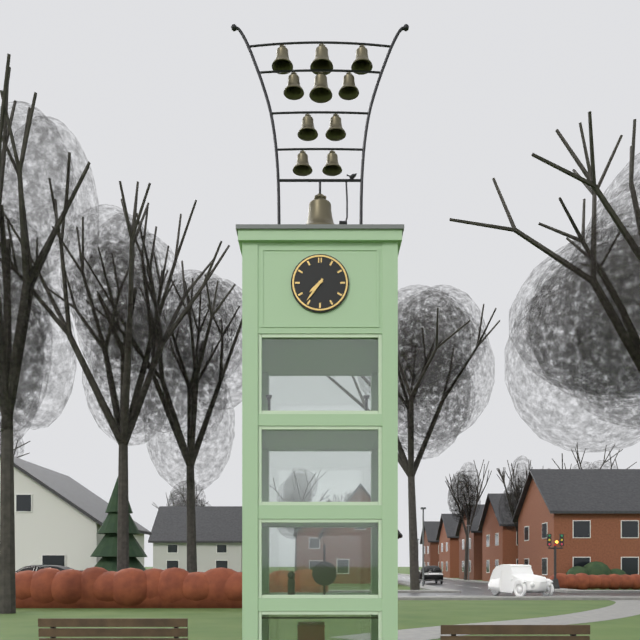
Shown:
7h36
